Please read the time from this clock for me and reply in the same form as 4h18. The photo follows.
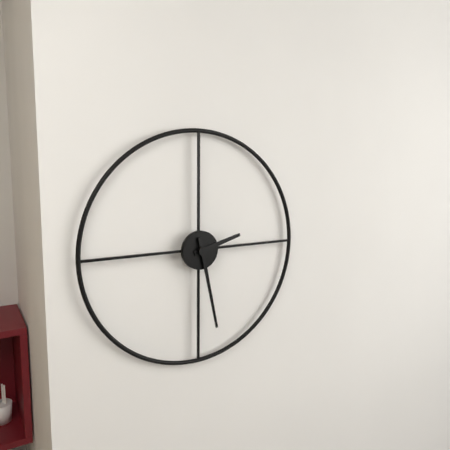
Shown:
2h28
